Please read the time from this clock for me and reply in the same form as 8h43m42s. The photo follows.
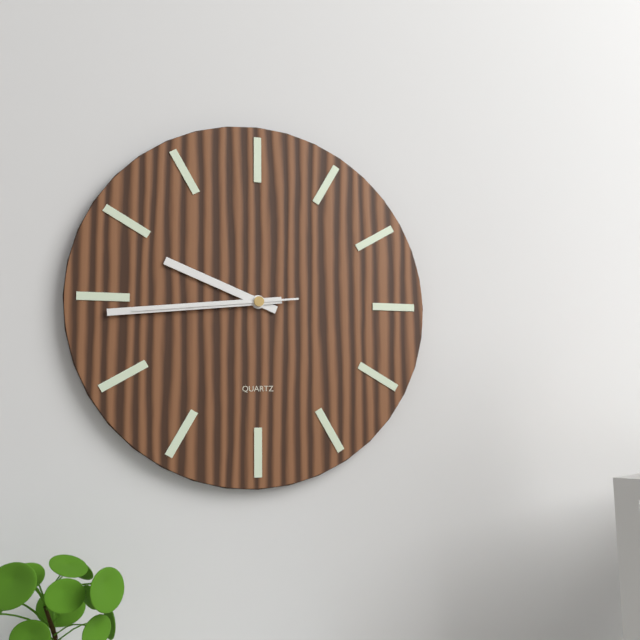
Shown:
9h44m44s
